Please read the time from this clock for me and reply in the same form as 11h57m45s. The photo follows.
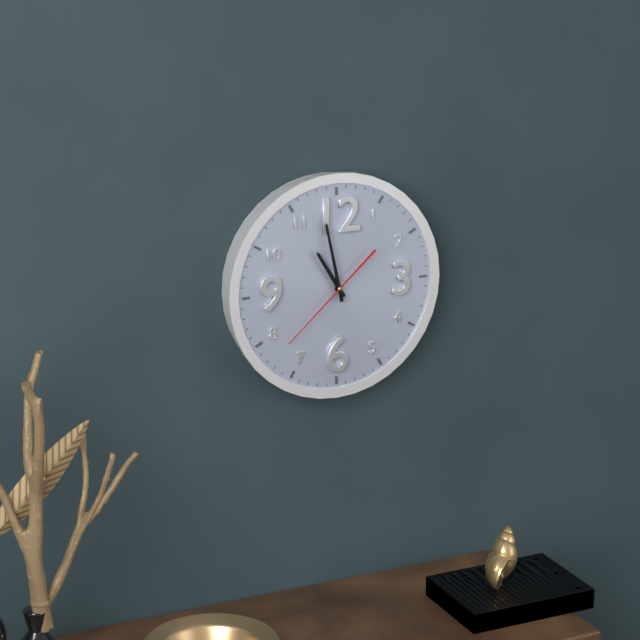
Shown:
10h58m38s
